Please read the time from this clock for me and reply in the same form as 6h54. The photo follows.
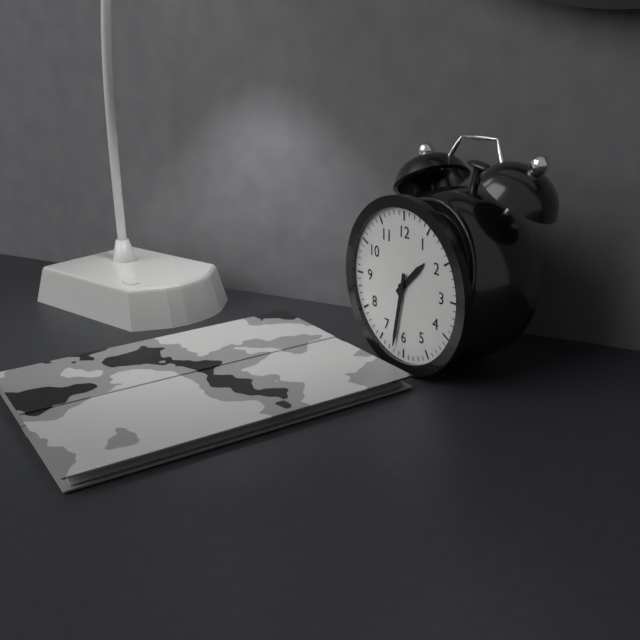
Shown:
1h32
